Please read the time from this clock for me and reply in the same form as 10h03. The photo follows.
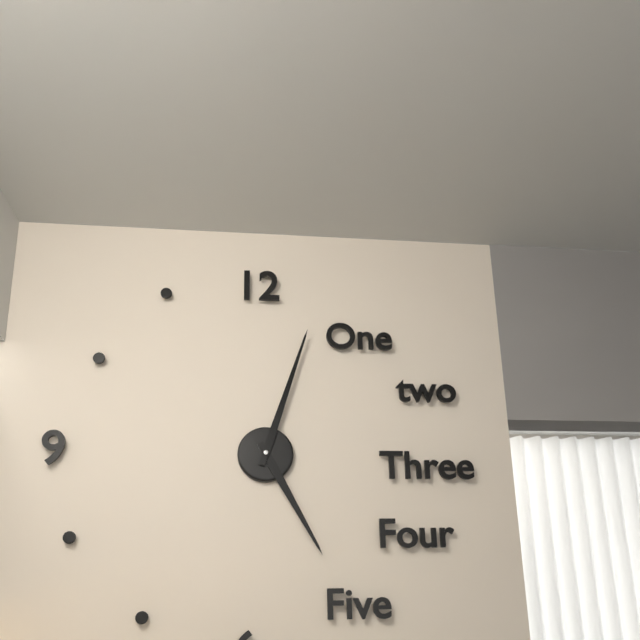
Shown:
5h03
